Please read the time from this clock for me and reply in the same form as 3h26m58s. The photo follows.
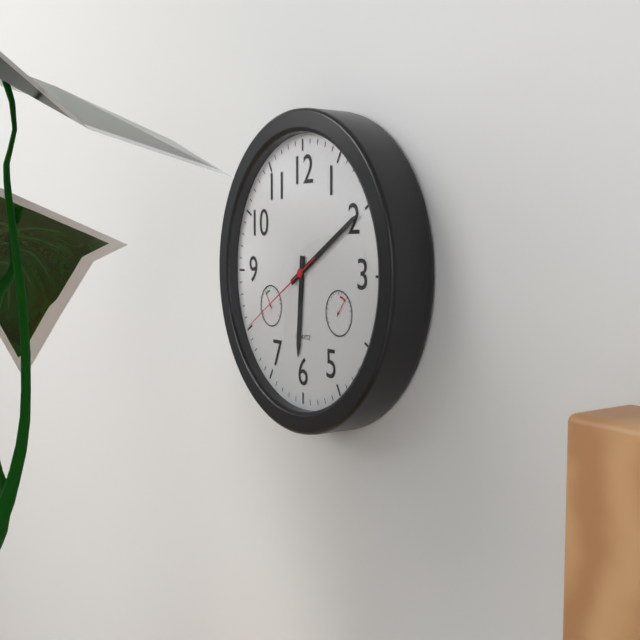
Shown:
6h10m40s
